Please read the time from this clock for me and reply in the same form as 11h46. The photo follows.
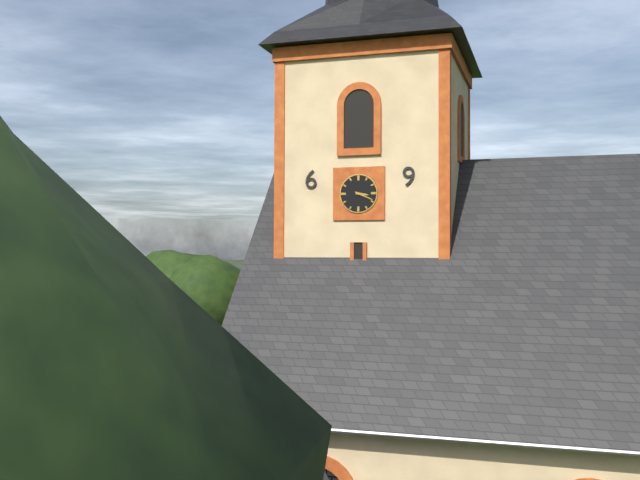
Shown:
3h19
